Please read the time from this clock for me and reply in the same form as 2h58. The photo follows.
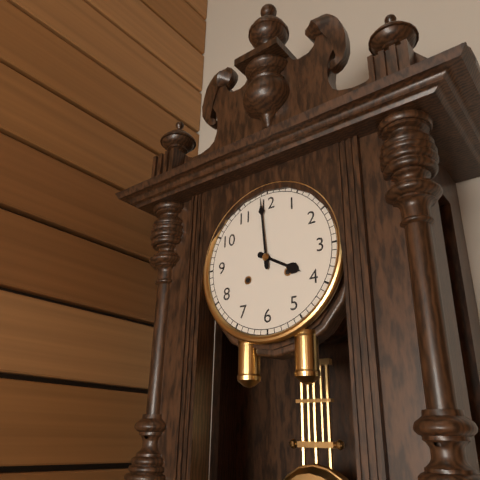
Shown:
3h59
